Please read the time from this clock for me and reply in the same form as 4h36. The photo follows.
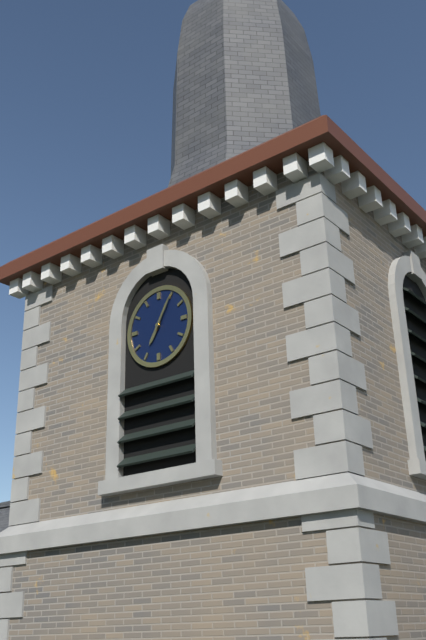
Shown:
7h05
